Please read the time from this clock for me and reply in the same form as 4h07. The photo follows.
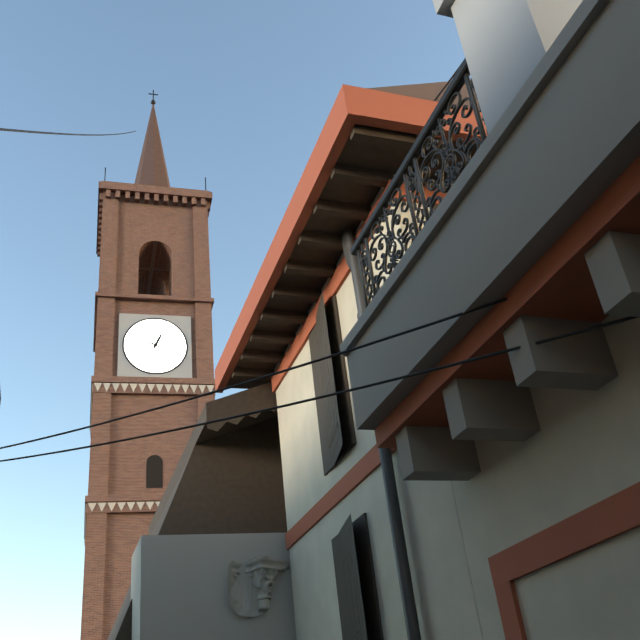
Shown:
12h49
